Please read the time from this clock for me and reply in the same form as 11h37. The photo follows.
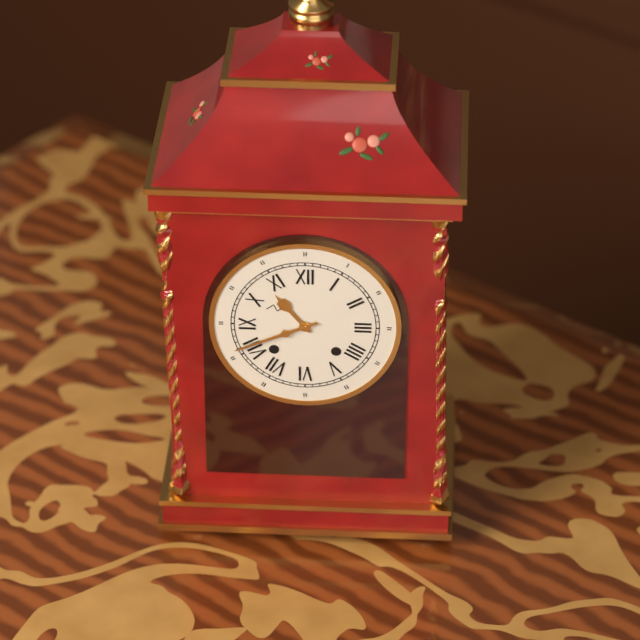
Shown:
10h41
